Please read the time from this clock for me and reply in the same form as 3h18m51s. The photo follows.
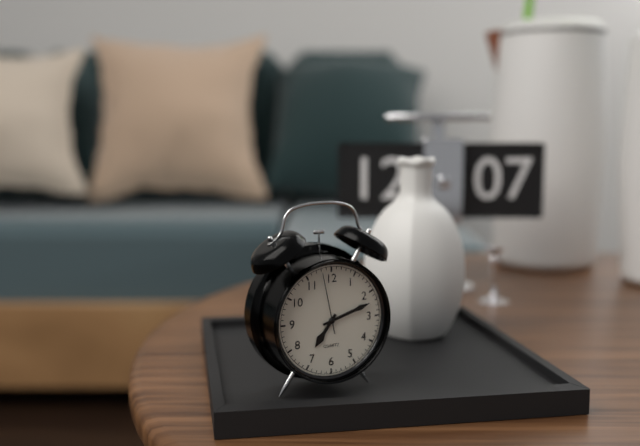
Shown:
7h12m58s
